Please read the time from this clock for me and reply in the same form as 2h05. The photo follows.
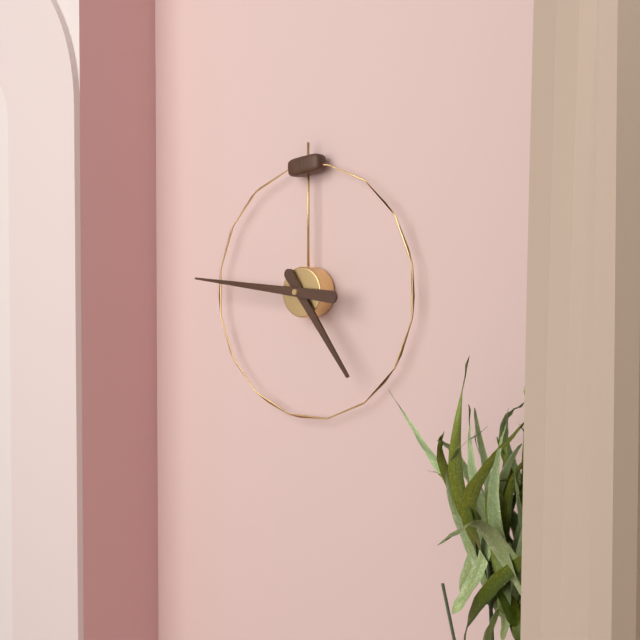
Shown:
4h46
